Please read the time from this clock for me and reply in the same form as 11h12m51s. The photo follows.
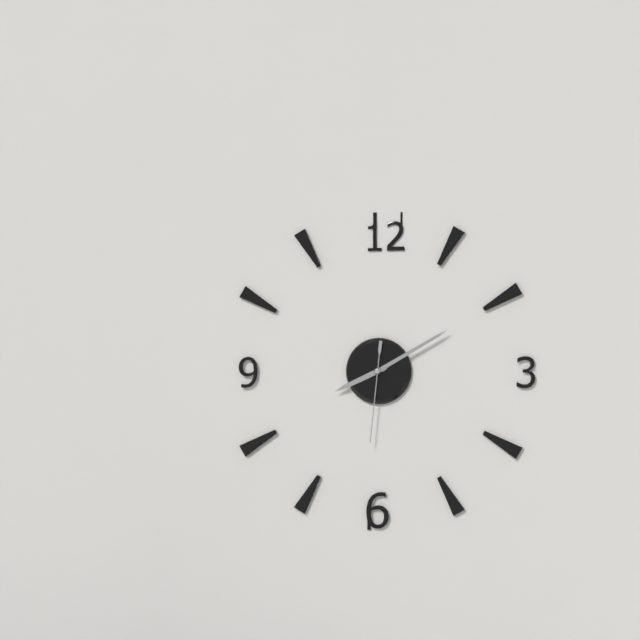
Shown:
8h10m31s
